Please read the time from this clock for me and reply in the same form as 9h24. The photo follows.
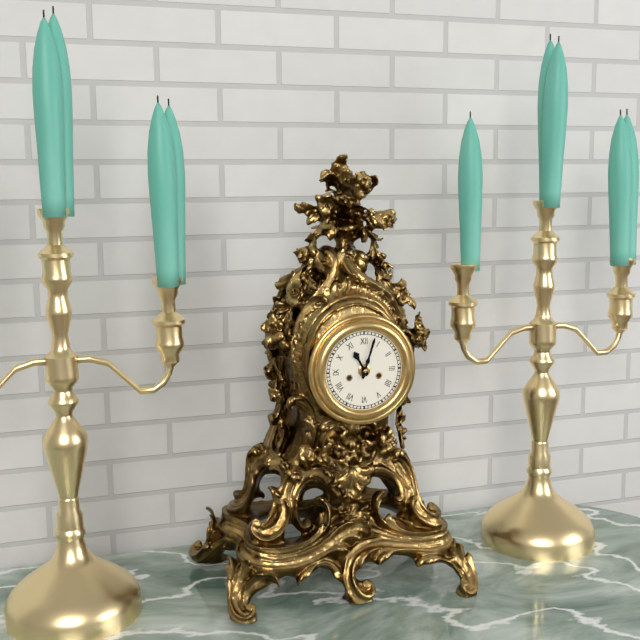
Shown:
11h03
